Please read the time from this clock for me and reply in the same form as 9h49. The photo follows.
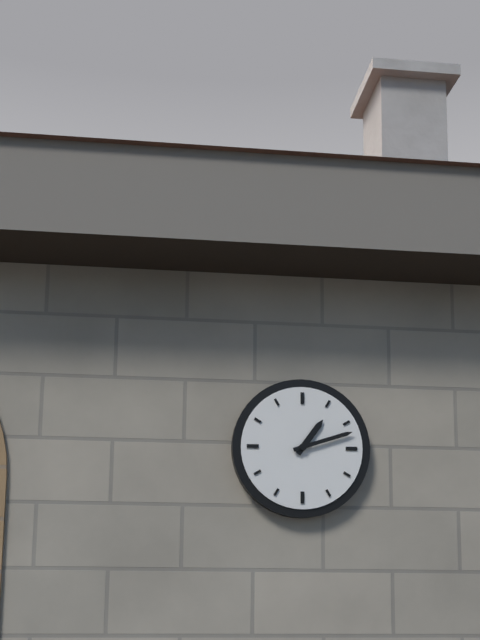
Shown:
1h12
